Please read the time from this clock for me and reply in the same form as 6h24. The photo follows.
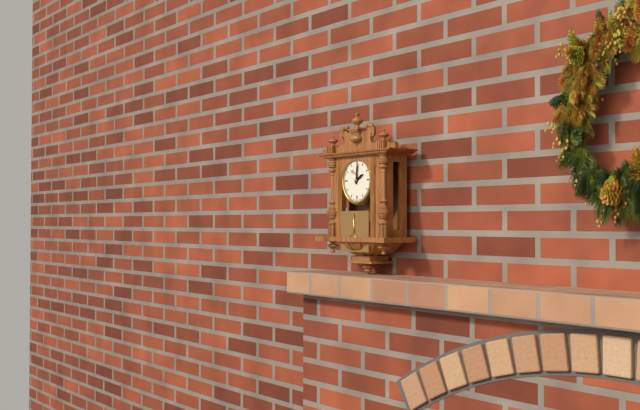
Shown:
2h01
